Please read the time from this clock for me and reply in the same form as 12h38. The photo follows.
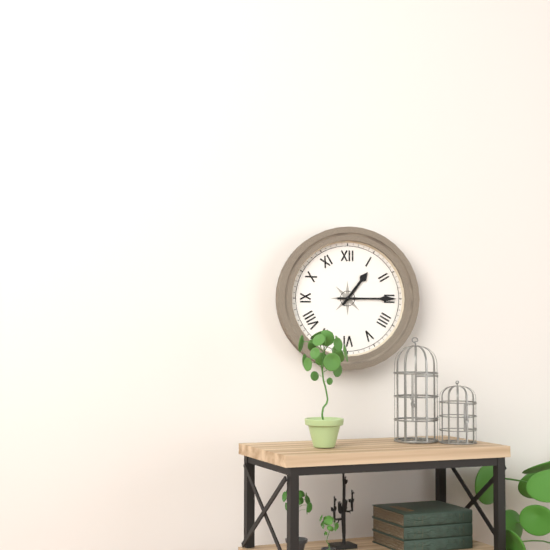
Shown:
1h15
